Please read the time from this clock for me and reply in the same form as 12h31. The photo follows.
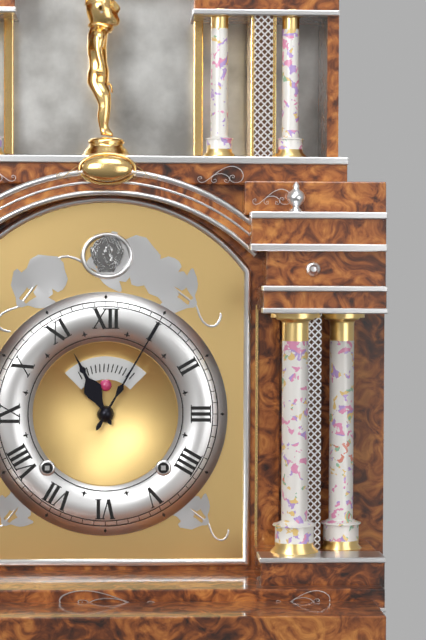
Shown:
11h05
